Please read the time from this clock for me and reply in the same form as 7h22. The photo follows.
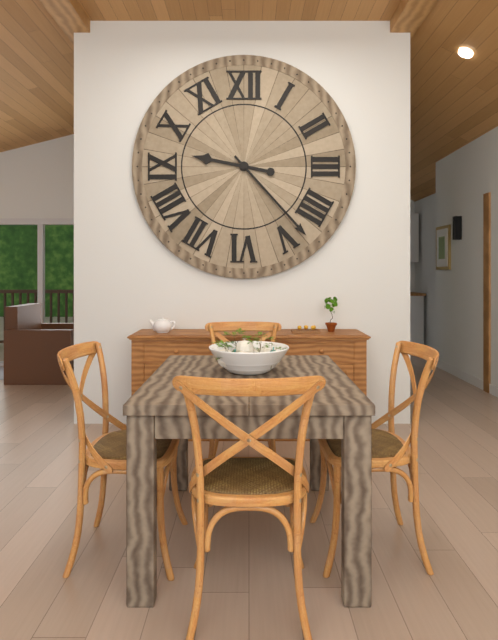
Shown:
9h23
